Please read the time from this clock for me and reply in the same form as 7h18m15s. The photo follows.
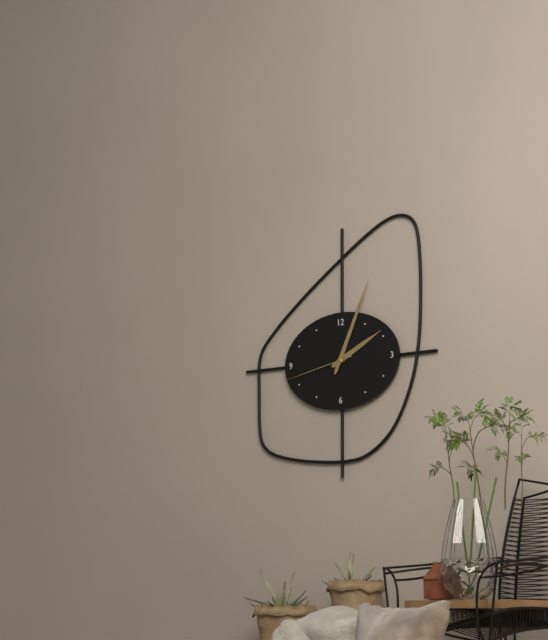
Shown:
2h04m43s
